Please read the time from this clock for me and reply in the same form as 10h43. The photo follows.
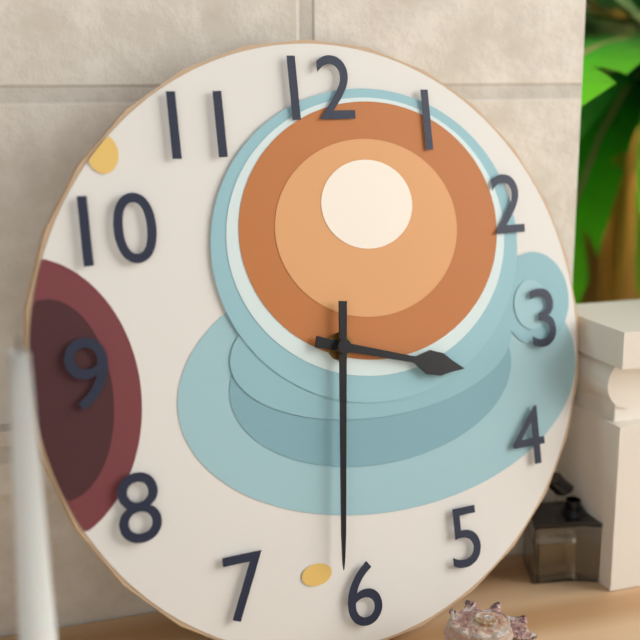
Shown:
3h31
